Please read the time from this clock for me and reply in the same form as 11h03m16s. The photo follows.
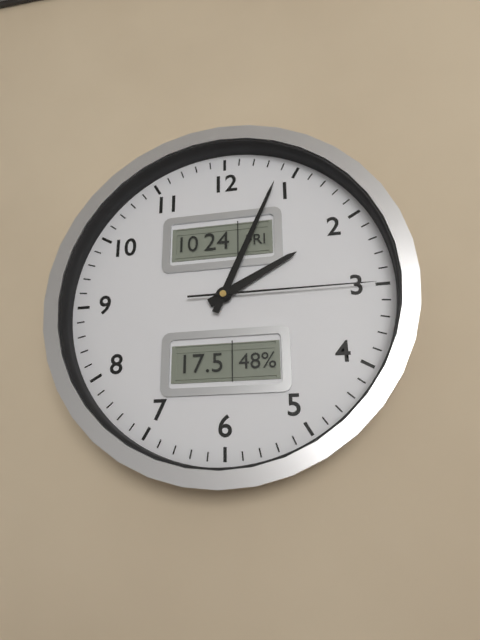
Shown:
2h04m15s
